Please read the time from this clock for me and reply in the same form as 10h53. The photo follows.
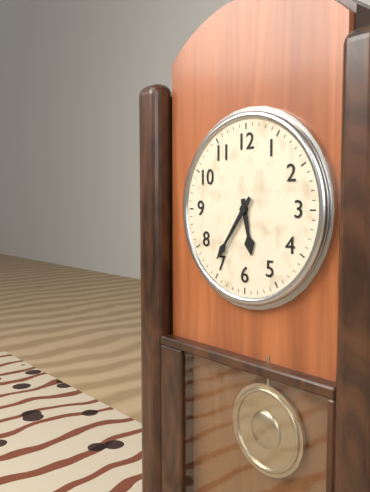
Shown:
5h36
